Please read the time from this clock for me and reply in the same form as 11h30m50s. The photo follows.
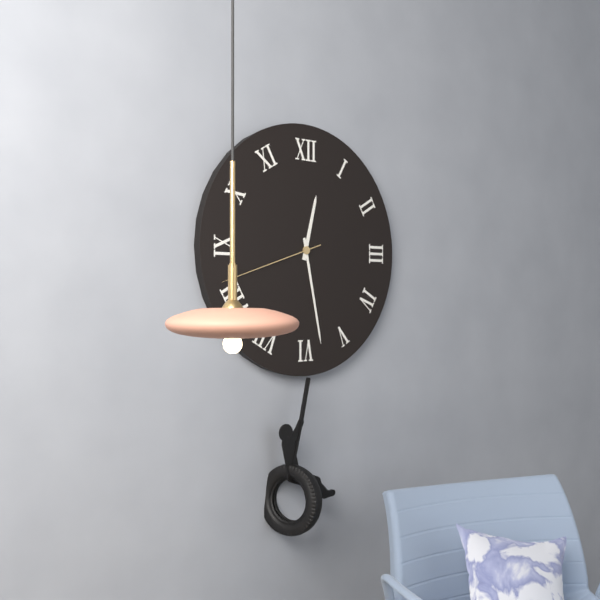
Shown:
12h28m42s
